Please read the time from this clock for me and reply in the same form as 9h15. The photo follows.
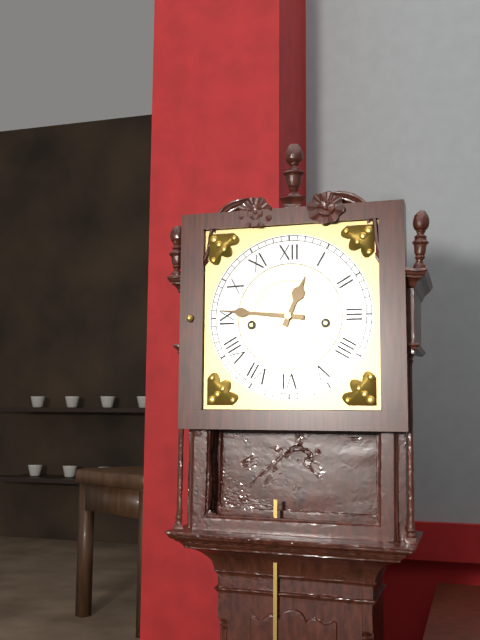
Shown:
12h46
